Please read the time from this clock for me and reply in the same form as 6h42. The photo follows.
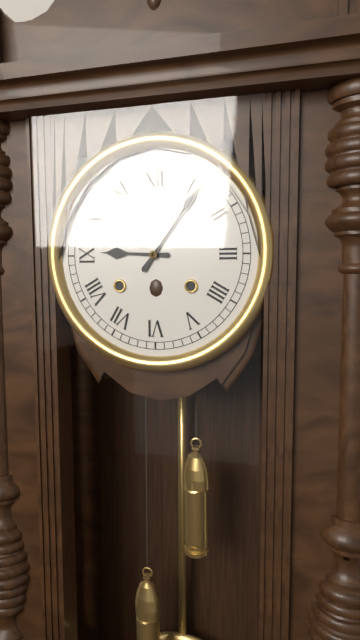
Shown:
9h06
